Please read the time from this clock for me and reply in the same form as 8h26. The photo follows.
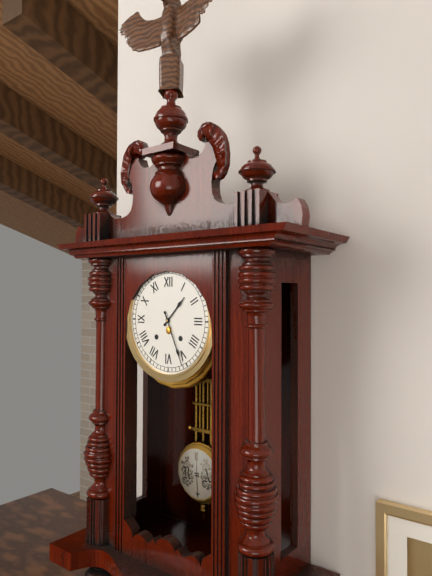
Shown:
1h26
